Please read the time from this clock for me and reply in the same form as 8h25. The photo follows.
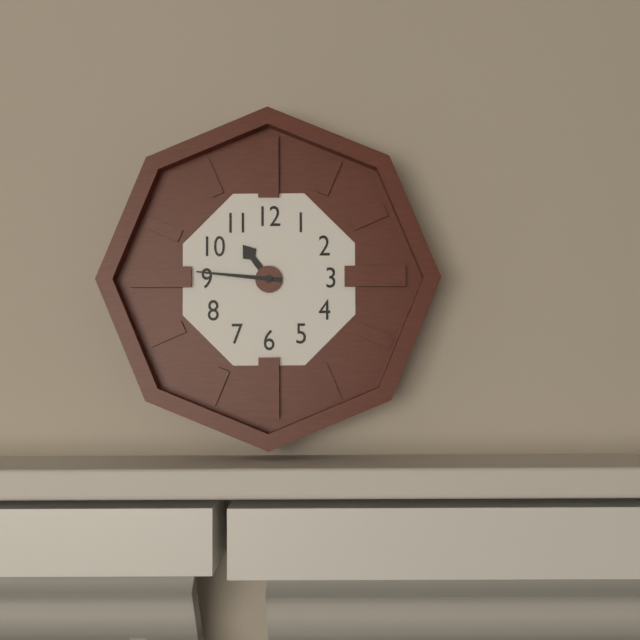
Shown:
10h46
